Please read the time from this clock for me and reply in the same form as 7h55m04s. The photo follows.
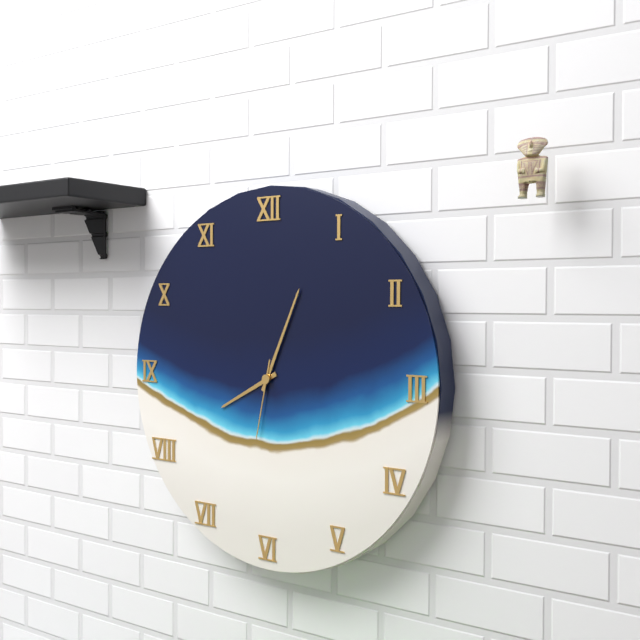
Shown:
8h04m32s
